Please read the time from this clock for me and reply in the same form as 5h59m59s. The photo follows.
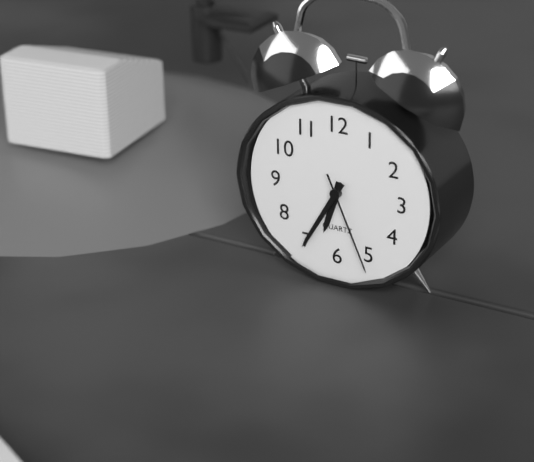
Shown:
6h35m26s
